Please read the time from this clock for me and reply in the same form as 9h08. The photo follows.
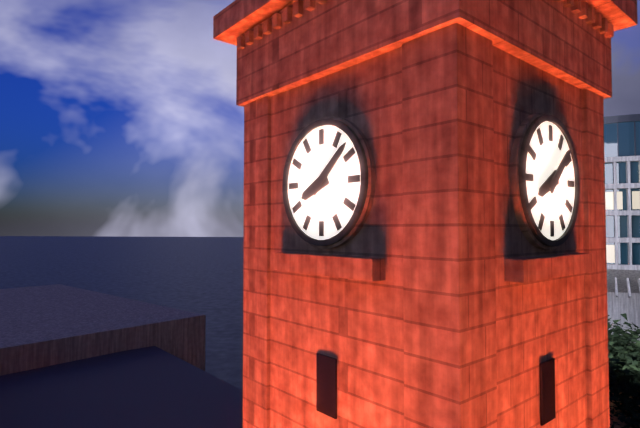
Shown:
8h08
